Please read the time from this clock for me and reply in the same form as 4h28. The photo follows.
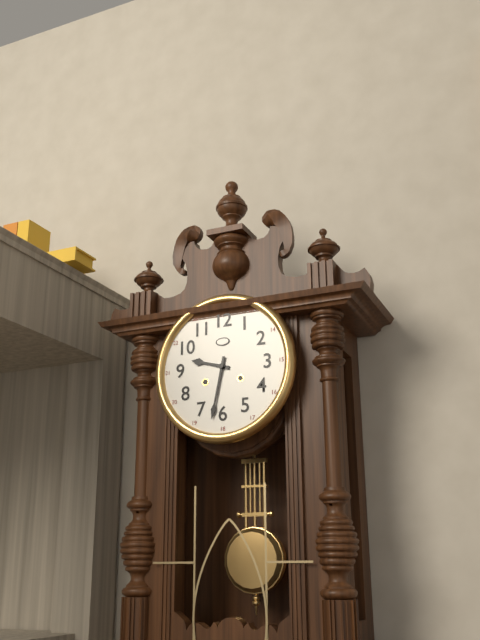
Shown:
9h32
